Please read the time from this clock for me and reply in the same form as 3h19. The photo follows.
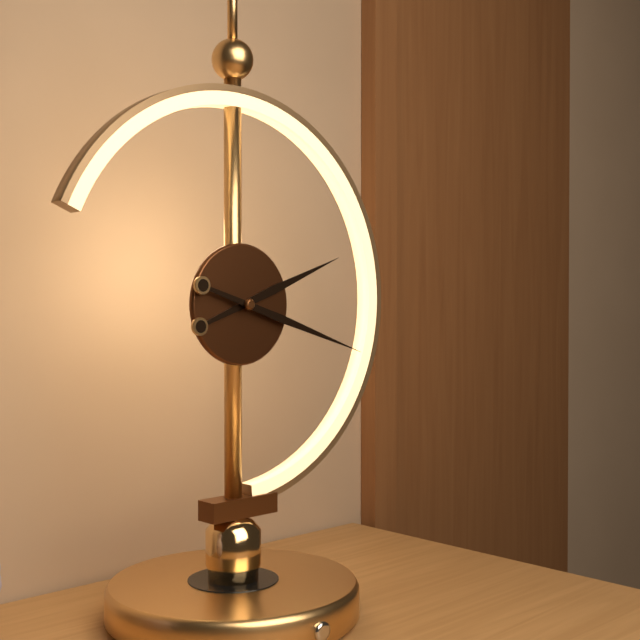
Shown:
2h18
